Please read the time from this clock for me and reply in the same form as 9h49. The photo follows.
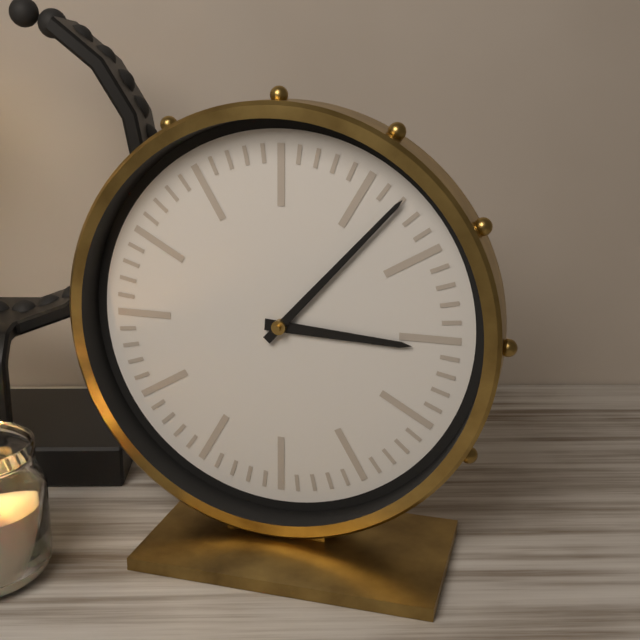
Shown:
3h07
